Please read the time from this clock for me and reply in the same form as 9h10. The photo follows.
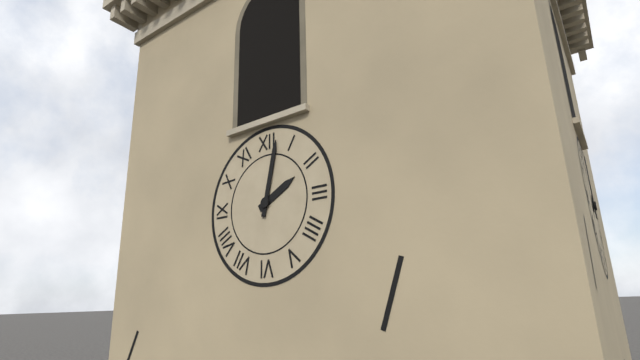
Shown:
2h02
